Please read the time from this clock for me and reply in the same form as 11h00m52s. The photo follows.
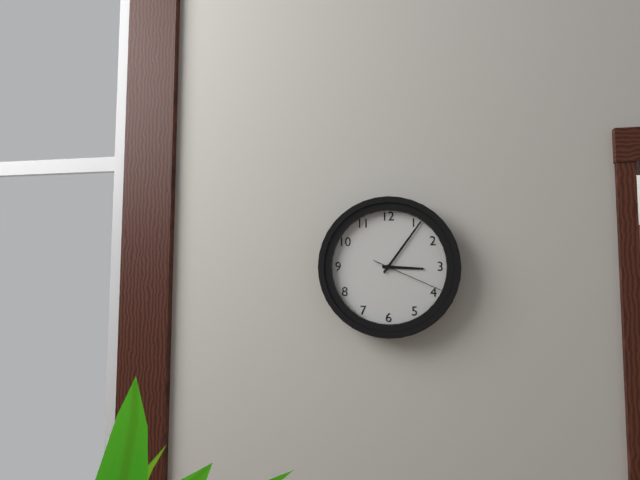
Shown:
3h06m19s
